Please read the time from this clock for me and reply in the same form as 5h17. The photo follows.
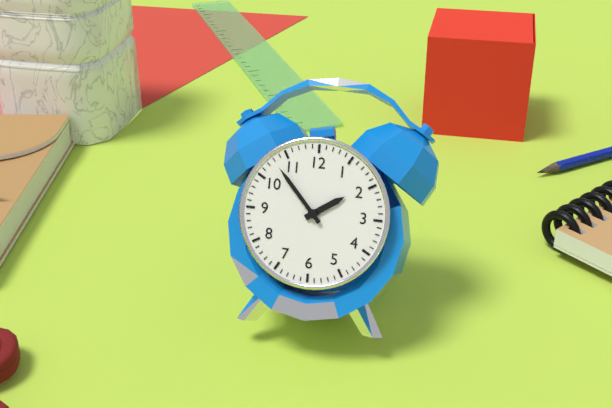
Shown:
1h53
